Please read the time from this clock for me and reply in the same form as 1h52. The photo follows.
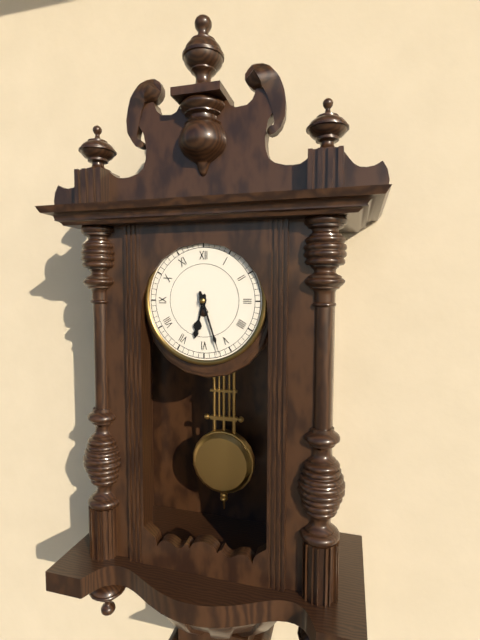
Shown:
6h27
